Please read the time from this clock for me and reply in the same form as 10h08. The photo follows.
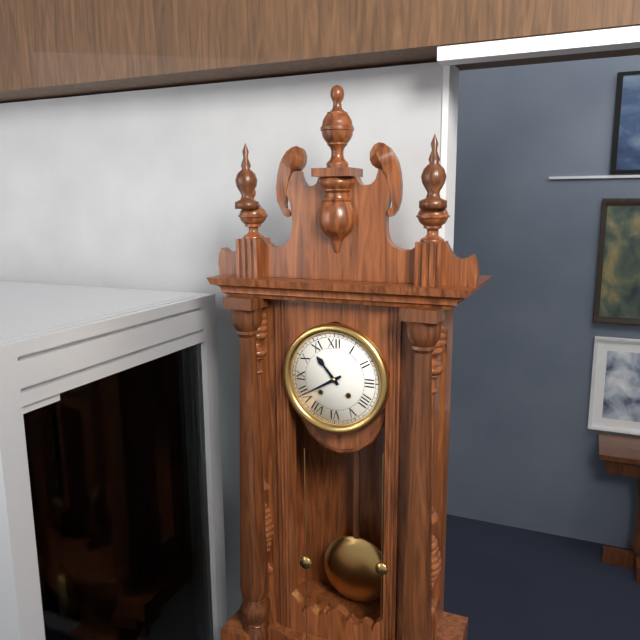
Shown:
10h40
